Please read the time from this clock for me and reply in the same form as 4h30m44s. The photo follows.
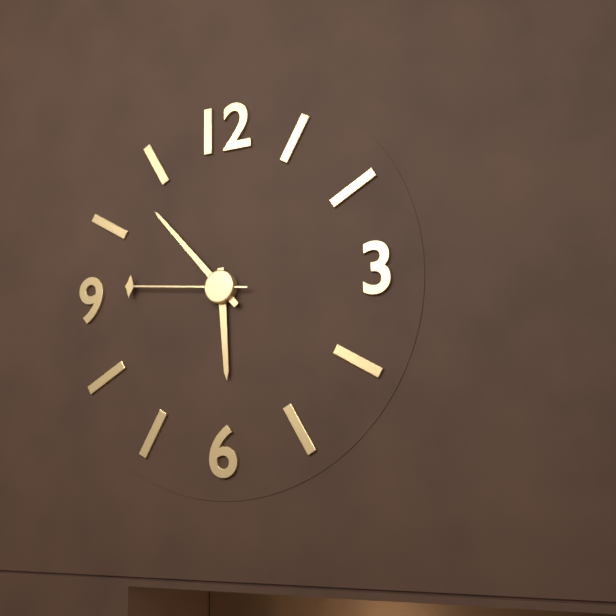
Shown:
5h53m46s
